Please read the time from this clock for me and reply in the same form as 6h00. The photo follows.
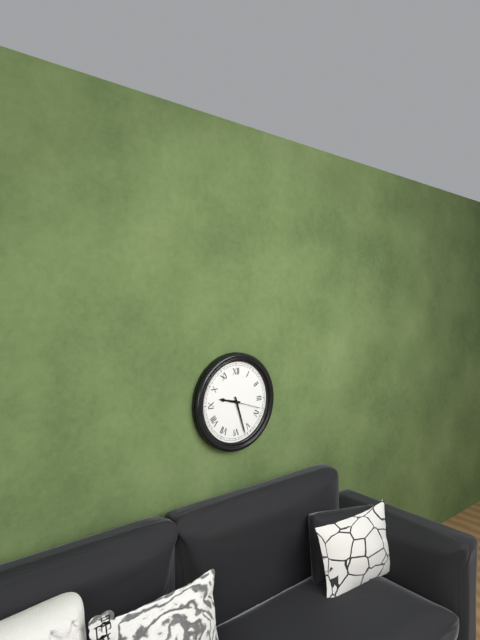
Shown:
9h27
